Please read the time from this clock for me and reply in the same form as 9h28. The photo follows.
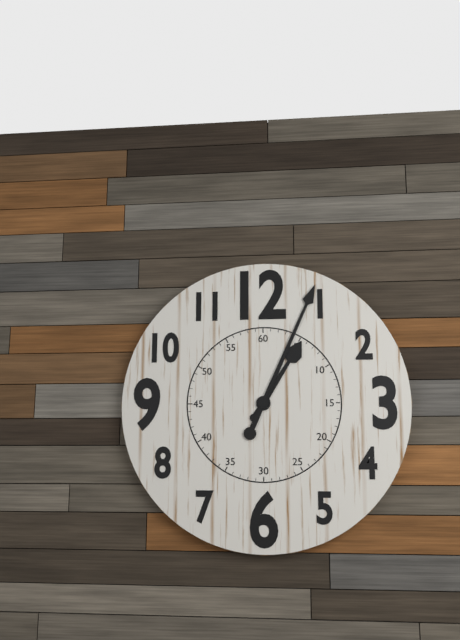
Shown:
1h04
